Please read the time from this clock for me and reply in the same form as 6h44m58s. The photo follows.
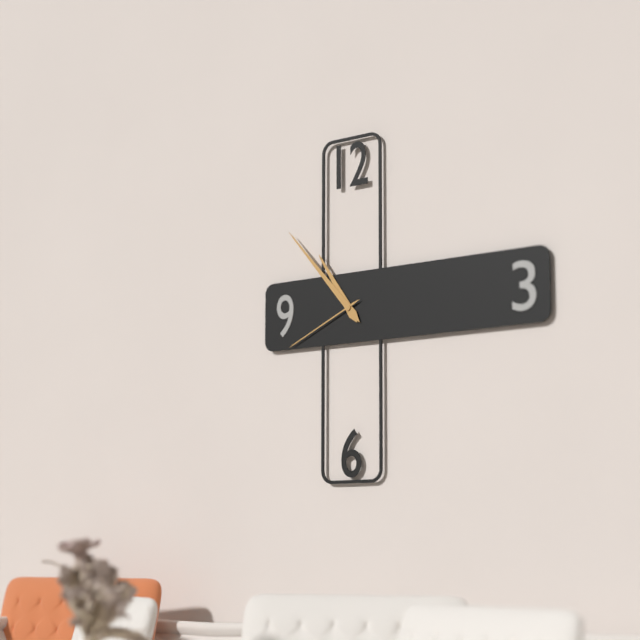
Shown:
10h53m41s
